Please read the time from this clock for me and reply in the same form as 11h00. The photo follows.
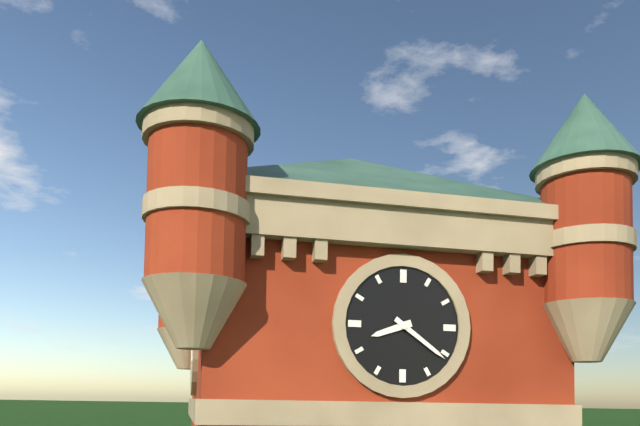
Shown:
8h21
